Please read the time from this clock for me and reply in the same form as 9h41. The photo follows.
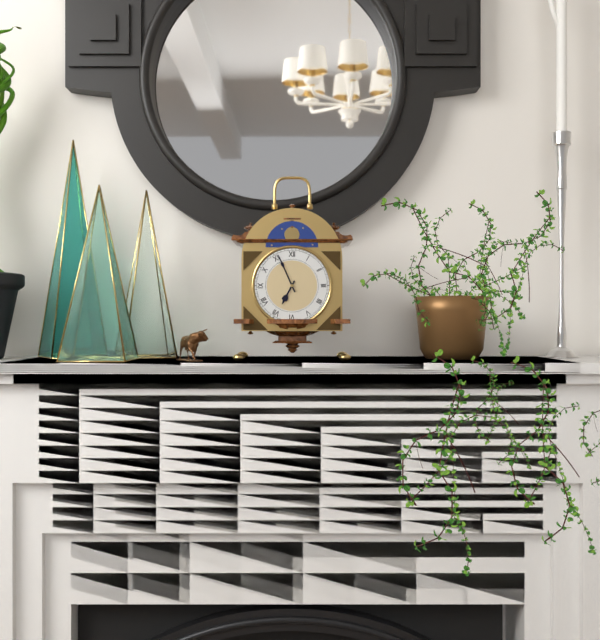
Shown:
6h56
